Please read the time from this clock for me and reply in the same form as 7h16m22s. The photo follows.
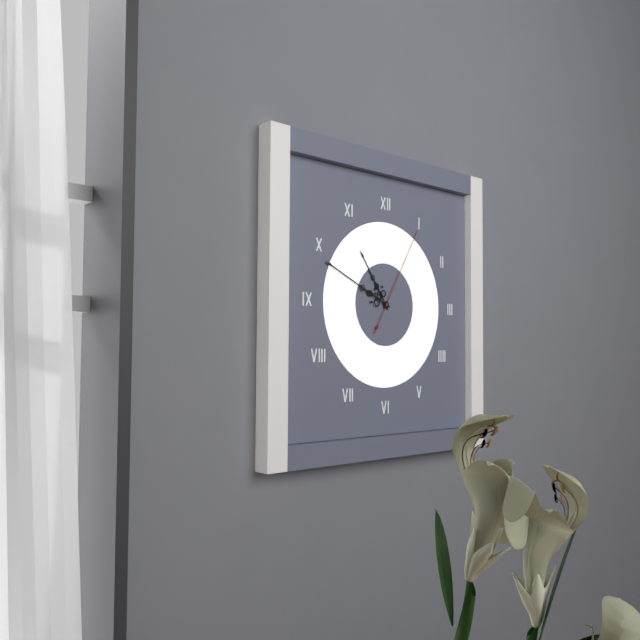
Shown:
10h49m05s
